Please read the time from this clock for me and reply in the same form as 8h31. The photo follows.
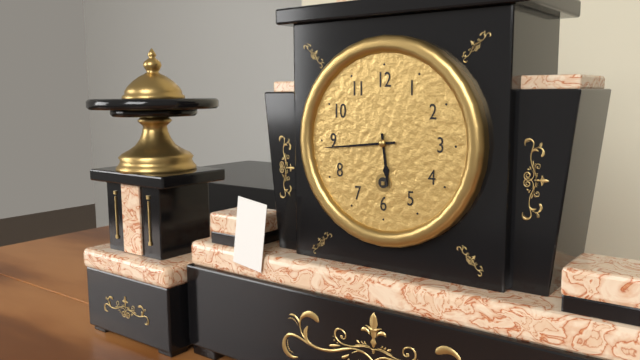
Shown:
5h44
